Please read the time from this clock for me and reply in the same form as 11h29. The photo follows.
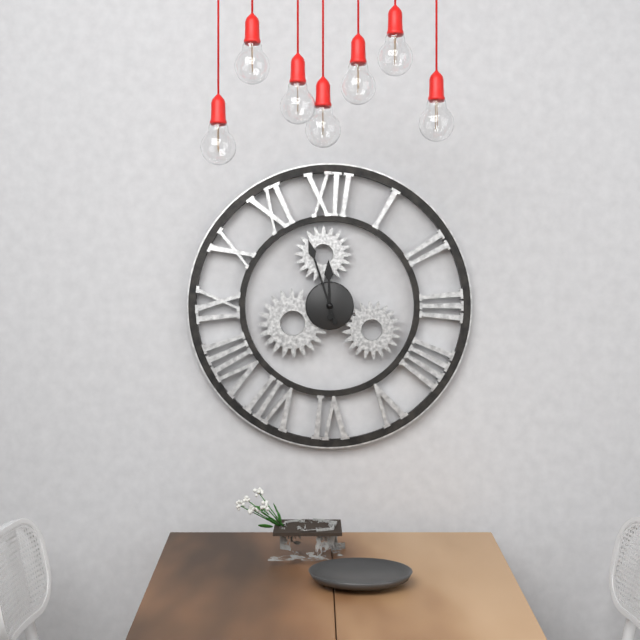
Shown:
11h57
